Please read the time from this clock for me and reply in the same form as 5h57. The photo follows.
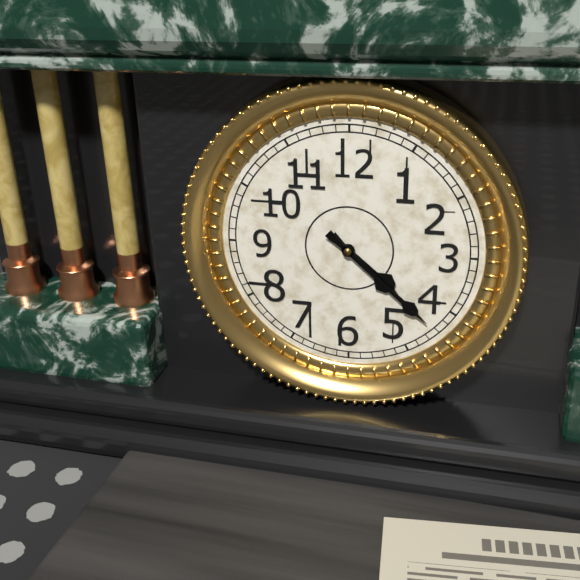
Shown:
4h22
